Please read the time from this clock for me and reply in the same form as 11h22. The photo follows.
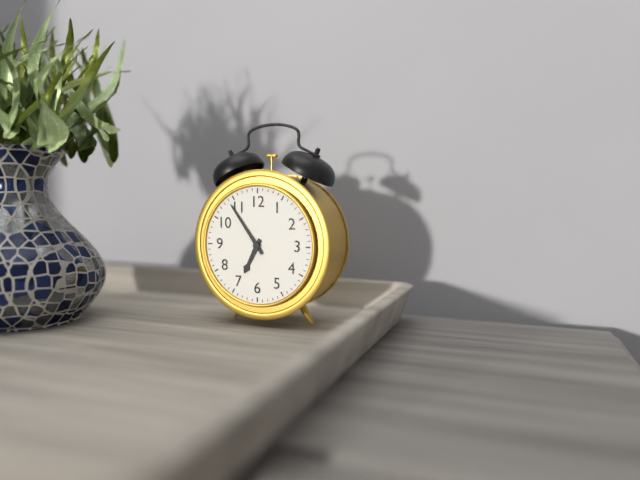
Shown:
6h54
